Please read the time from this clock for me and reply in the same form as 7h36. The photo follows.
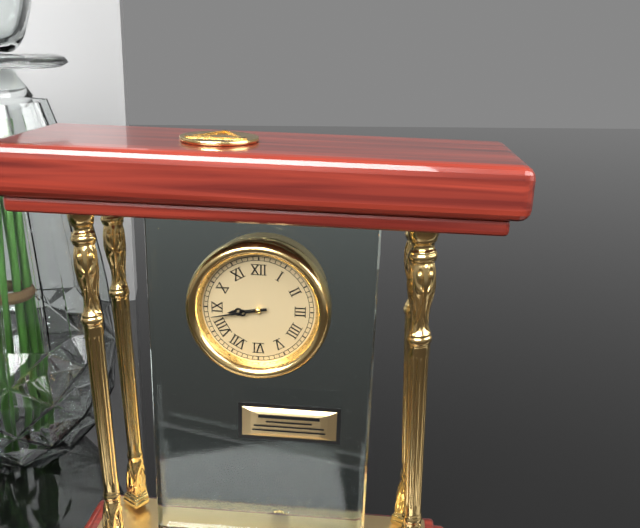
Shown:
8h43
